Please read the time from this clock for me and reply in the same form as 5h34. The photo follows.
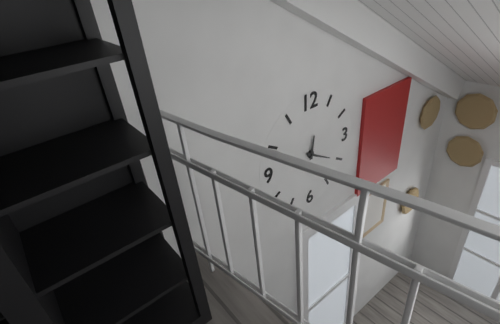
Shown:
12h20
